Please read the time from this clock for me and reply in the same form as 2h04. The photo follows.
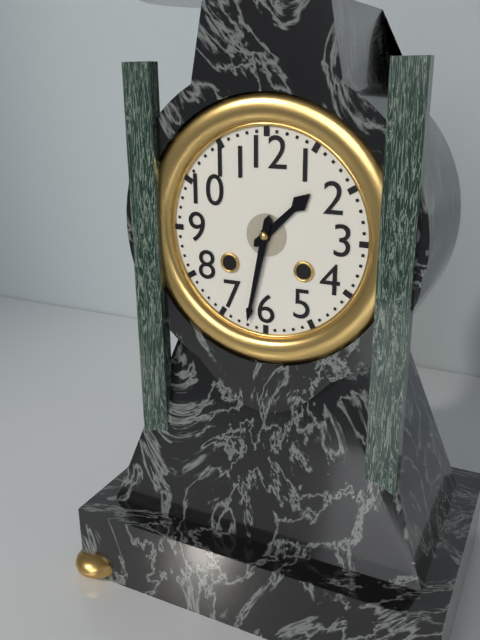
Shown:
1h32
